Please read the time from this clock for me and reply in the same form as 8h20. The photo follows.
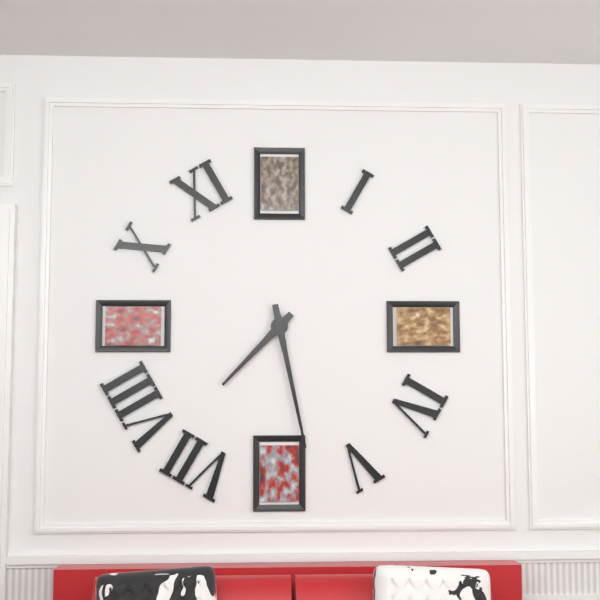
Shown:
7h28
